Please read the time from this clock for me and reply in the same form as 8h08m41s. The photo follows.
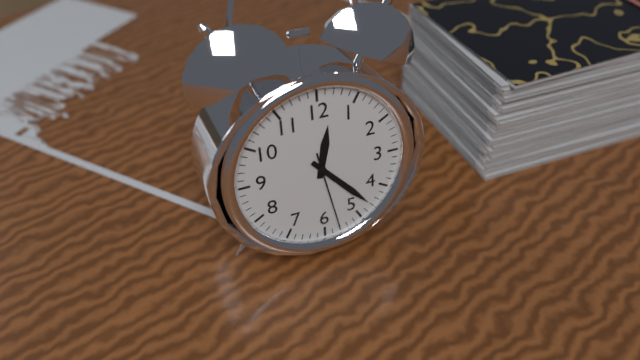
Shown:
12h23m28s
